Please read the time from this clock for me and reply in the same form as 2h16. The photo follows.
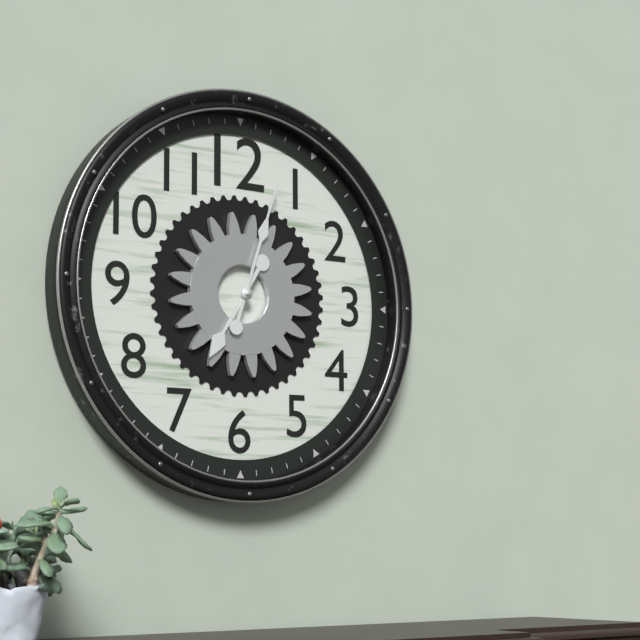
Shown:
7h03
